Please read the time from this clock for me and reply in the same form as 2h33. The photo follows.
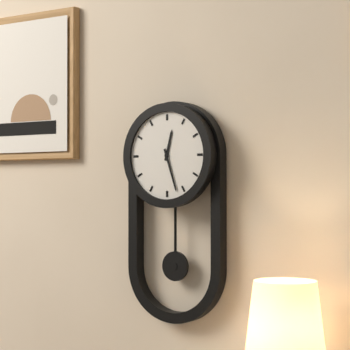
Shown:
12h27
